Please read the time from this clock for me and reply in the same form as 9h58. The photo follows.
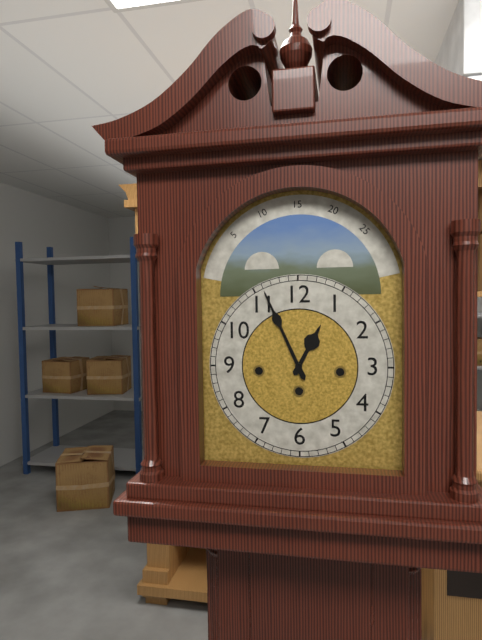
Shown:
12h56
